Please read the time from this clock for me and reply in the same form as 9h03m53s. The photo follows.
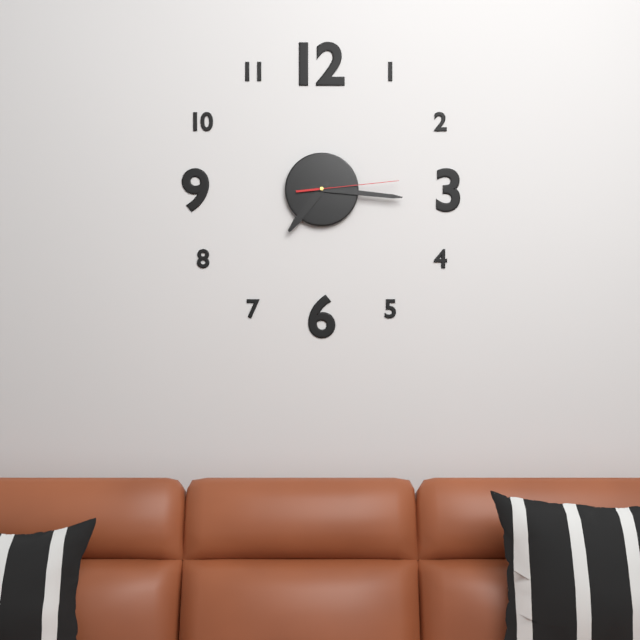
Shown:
7h16m14s
